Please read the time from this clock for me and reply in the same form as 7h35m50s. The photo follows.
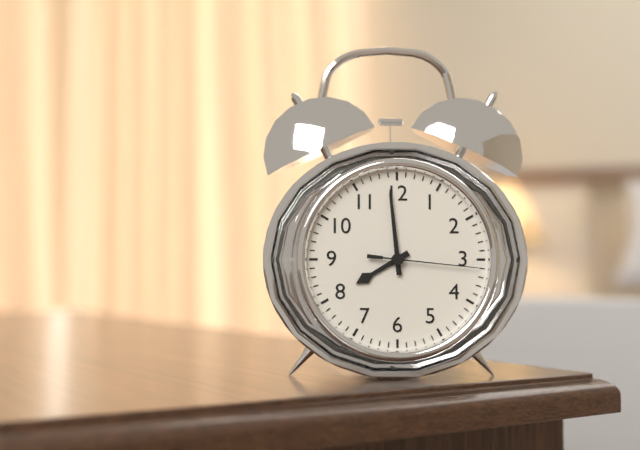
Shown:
7h59m16s
